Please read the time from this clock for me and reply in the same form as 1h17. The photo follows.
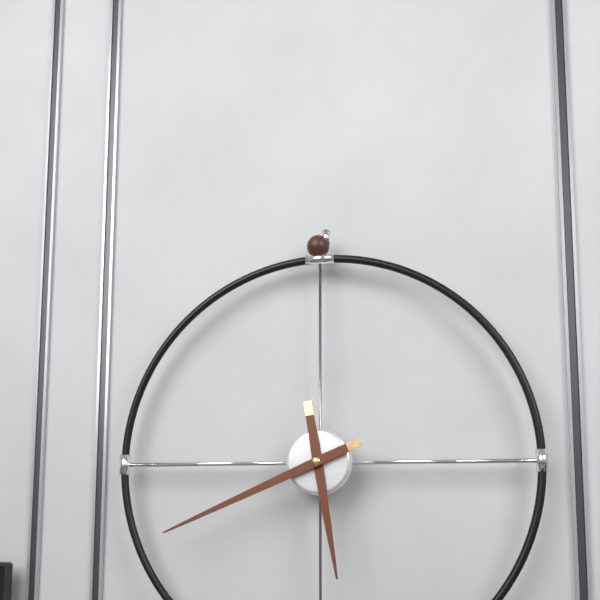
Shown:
5h41
